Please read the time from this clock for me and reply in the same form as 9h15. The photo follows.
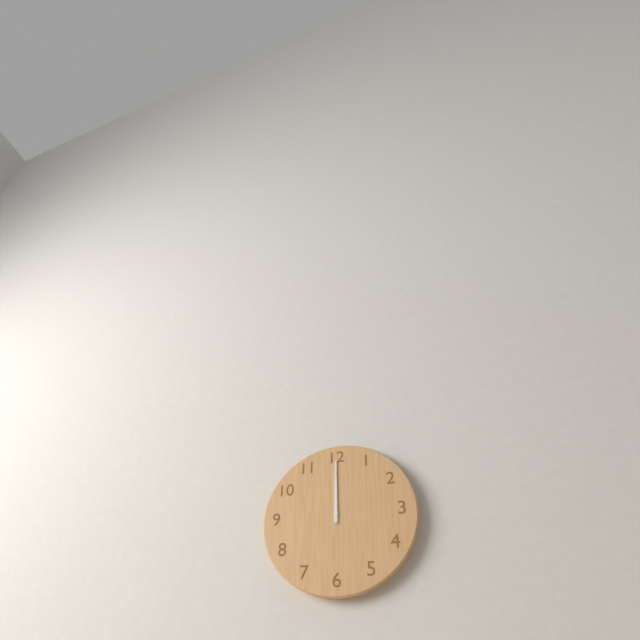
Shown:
12h00
